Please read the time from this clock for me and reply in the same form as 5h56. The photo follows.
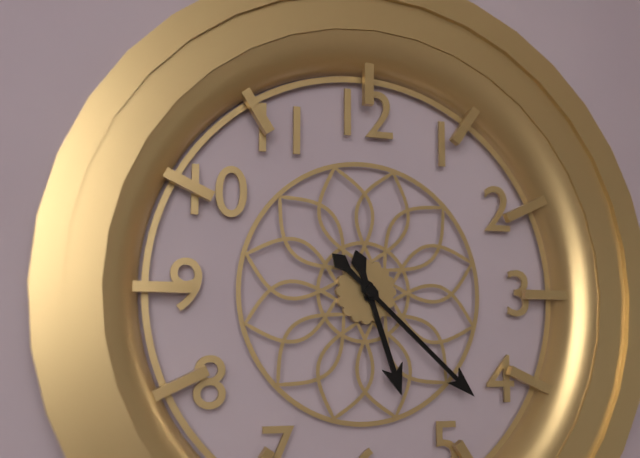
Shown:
5h22
